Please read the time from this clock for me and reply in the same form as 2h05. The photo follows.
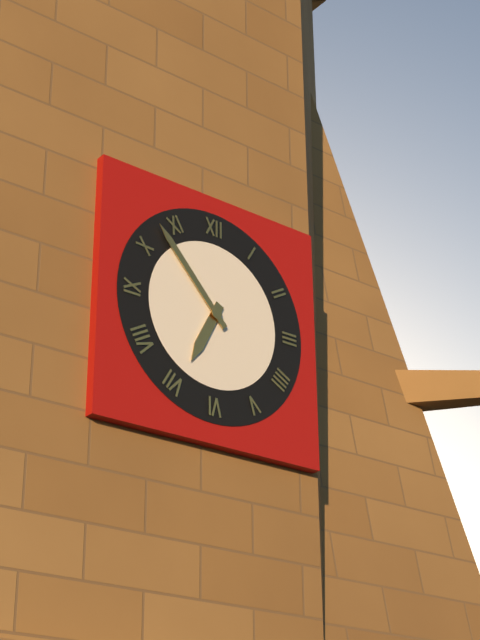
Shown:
6h53
